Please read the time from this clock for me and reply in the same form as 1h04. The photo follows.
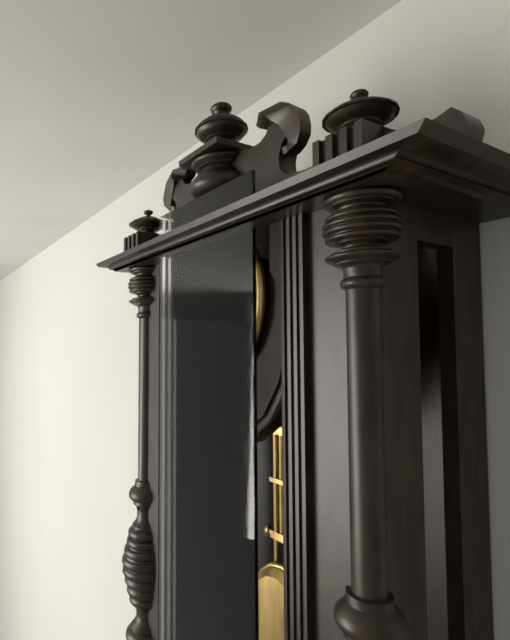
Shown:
7h51
